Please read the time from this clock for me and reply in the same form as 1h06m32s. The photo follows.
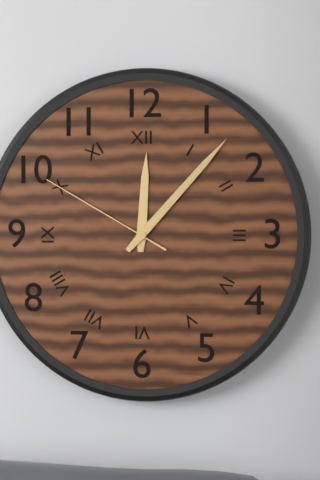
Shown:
12h07m50s
